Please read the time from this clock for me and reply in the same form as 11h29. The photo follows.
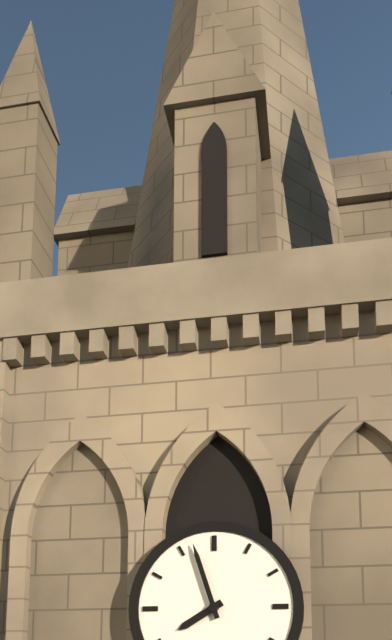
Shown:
7h57
